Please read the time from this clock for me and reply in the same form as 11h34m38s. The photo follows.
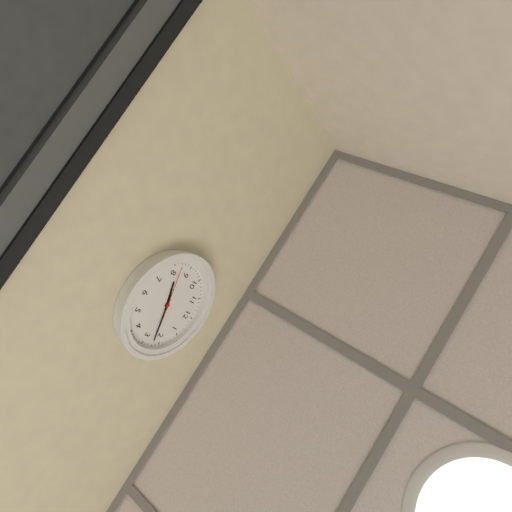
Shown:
8h12m42s
